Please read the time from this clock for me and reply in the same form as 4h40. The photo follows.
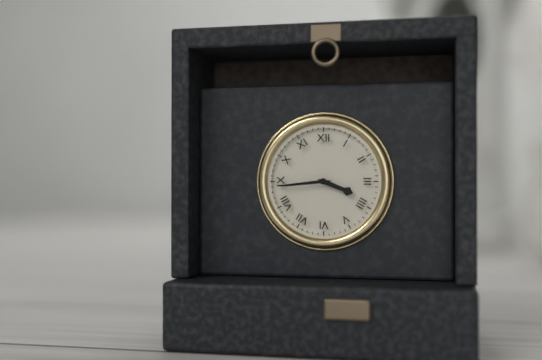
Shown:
3h44
